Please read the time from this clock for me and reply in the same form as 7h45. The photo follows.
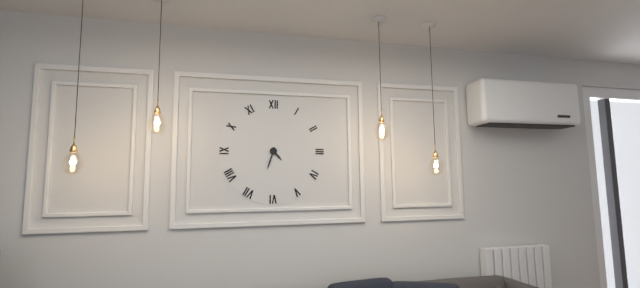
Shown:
4h33
